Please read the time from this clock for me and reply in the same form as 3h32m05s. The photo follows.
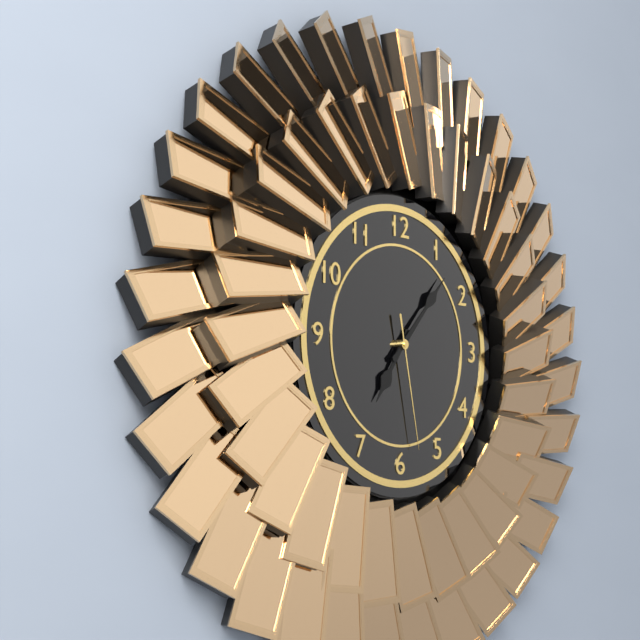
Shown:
7h07m28s
